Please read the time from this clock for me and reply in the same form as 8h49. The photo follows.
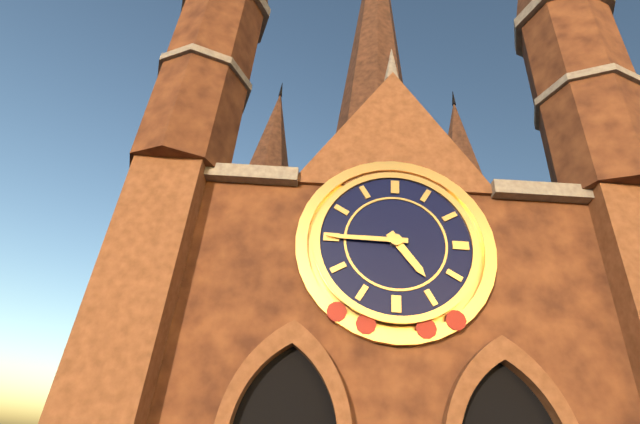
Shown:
4h45
